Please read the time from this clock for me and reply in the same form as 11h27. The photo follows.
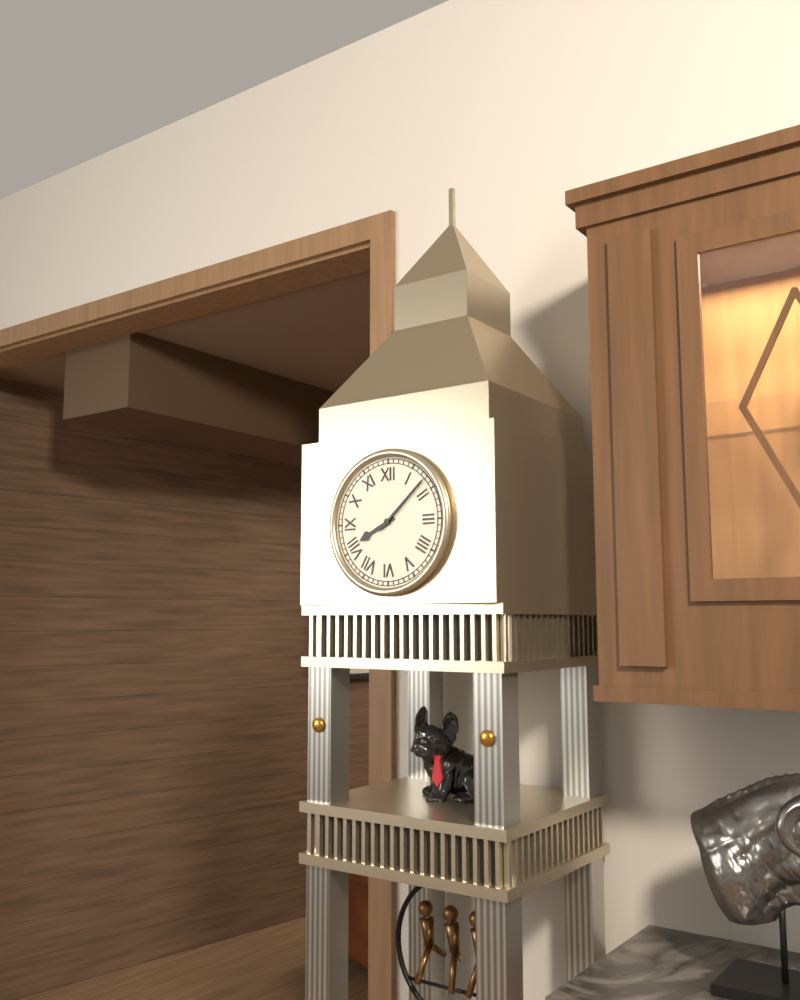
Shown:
8h08
